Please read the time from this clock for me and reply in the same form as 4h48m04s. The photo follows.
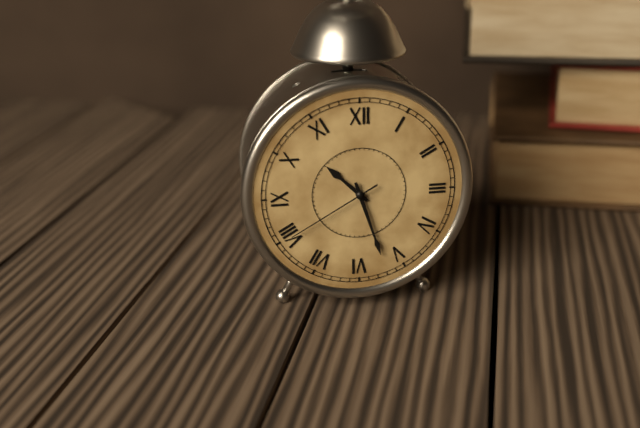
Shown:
10h27m40s
